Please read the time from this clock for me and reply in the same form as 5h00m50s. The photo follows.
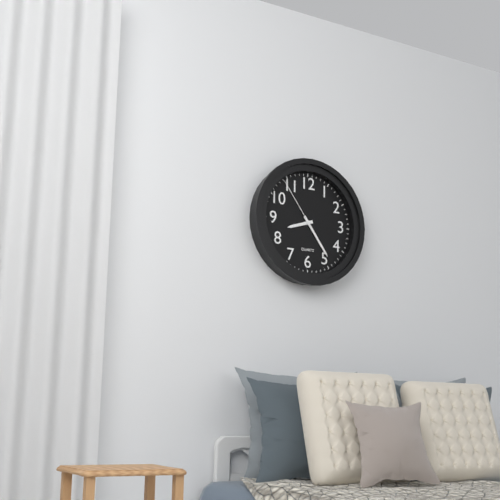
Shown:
8h24m54s
